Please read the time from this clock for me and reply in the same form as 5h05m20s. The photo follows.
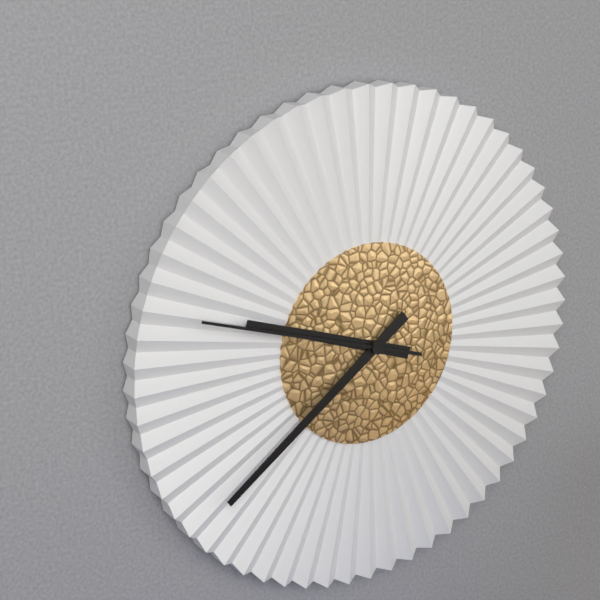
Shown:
9h39m48s
